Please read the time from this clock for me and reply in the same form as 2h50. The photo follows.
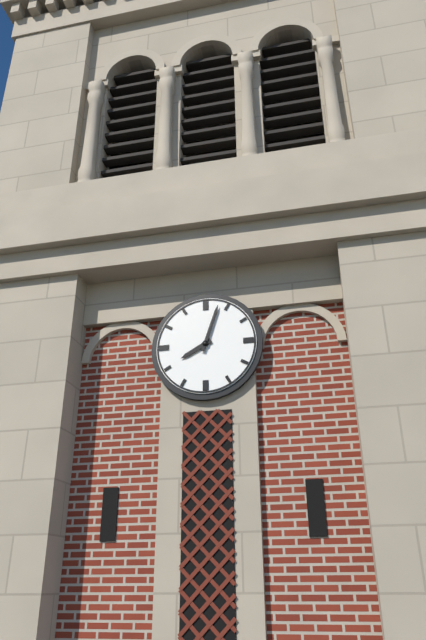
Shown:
8h03
